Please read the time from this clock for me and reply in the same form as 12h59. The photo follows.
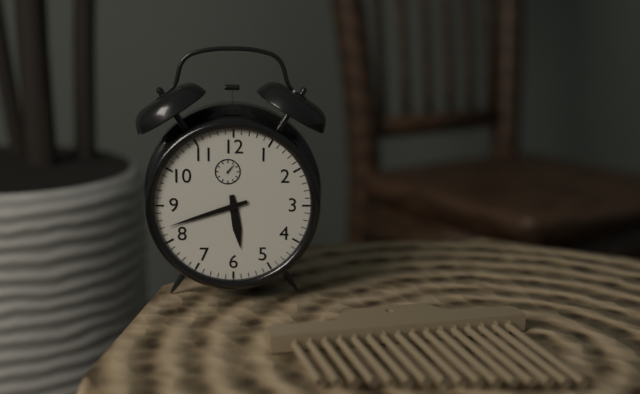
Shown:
5h42
